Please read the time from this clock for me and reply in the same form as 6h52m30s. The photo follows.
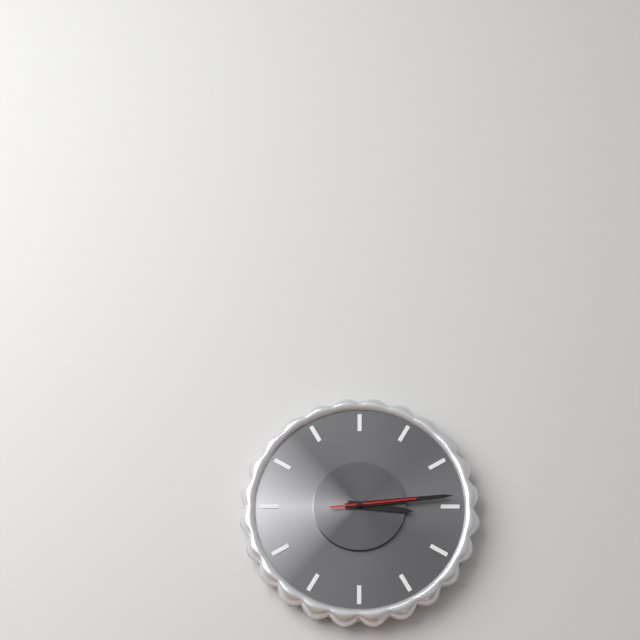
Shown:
3h14m14s
